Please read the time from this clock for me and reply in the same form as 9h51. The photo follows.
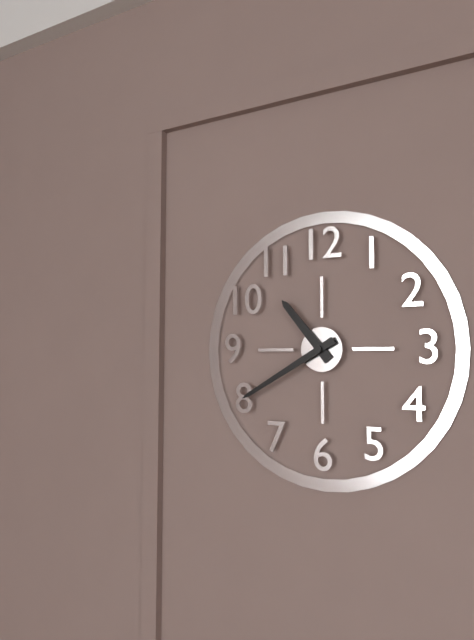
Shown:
10h40
